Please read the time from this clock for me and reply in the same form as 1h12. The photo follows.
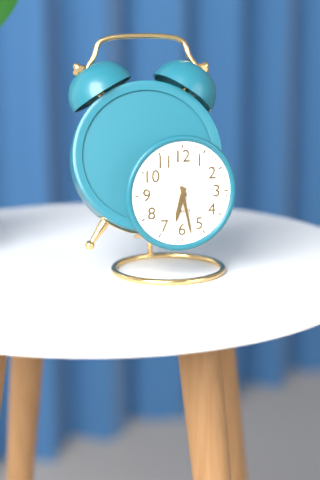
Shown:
6h28
